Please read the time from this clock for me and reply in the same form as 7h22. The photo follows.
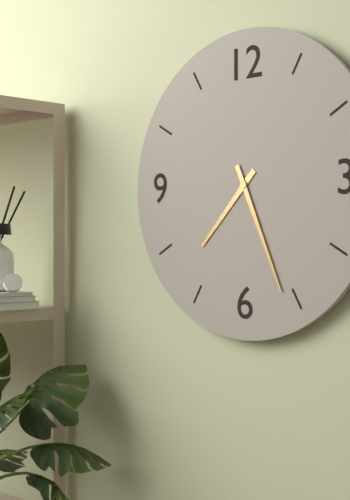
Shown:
7h26
